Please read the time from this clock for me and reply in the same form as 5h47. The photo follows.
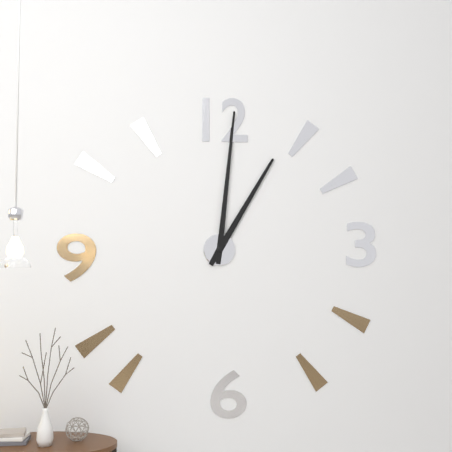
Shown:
1h01
